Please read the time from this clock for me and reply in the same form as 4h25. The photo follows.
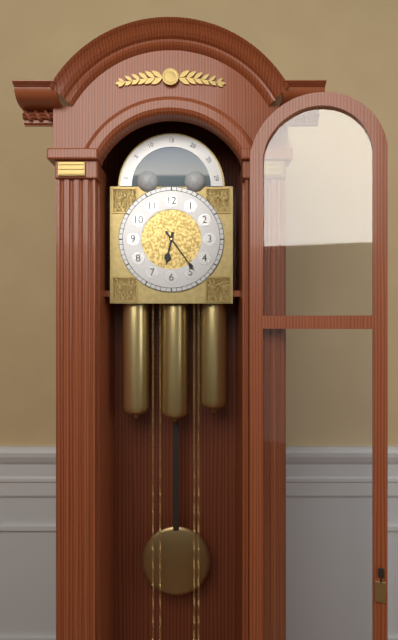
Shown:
6h24
